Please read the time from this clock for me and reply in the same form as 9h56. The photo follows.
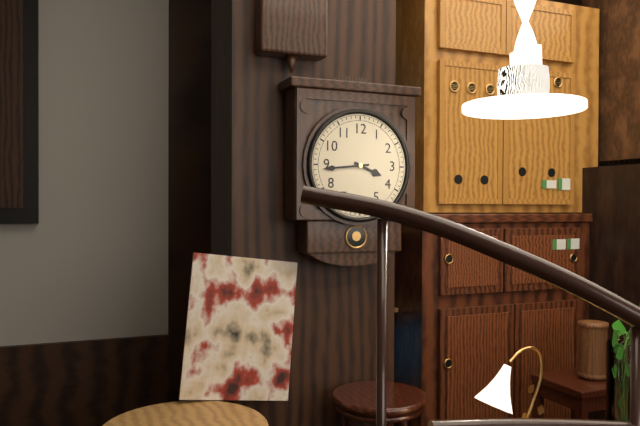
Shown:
3h44
